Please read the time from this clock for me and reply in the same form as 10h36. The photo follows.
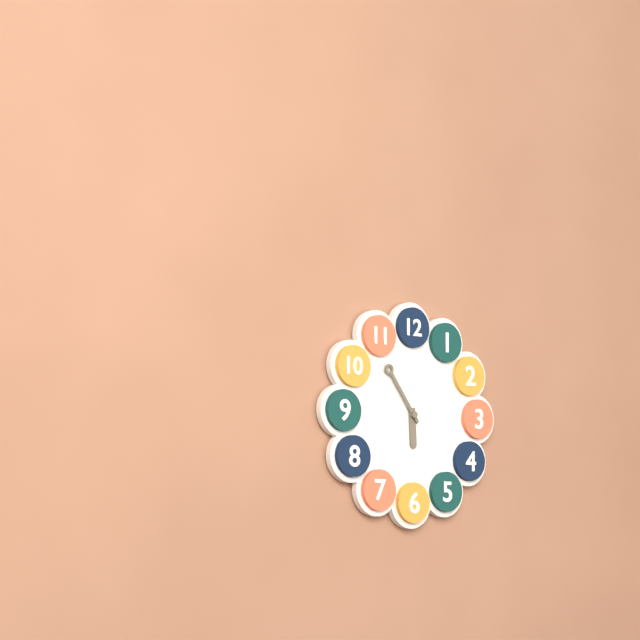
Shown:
5h54
